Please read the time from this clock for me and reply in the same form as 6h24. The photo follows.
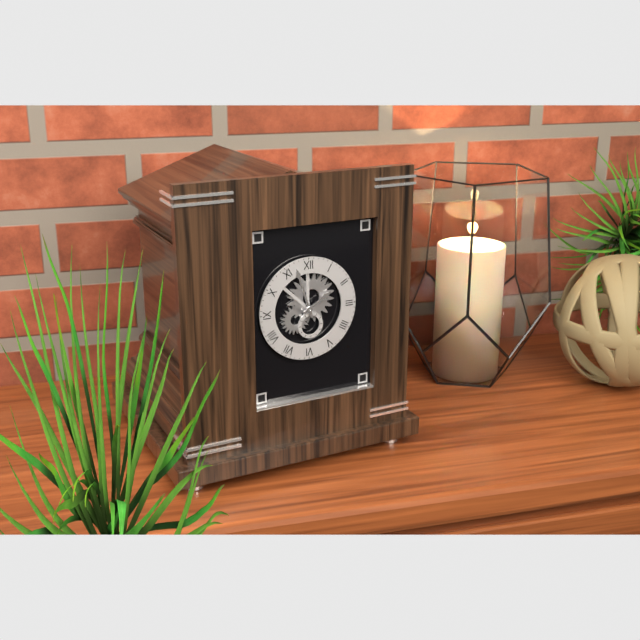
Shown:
1h57
